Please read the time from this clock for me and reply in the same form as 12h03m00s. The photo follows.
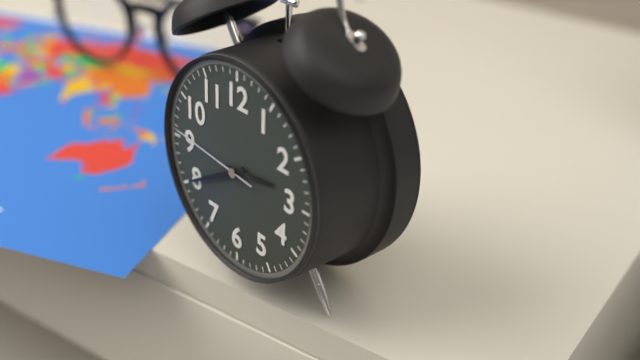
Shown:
2h40m46s
